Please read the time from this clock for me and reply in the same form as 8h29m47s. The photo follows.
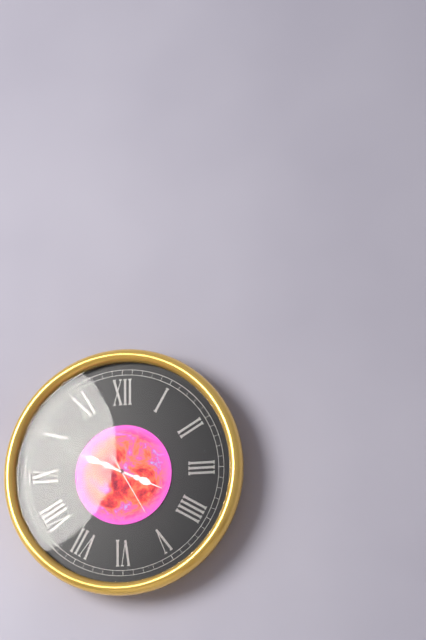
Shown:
3h49m25s
